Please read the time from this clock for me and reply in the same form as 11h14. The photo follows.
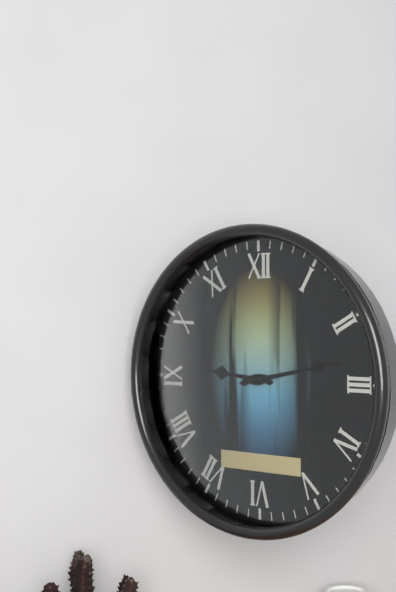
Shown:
9h13
